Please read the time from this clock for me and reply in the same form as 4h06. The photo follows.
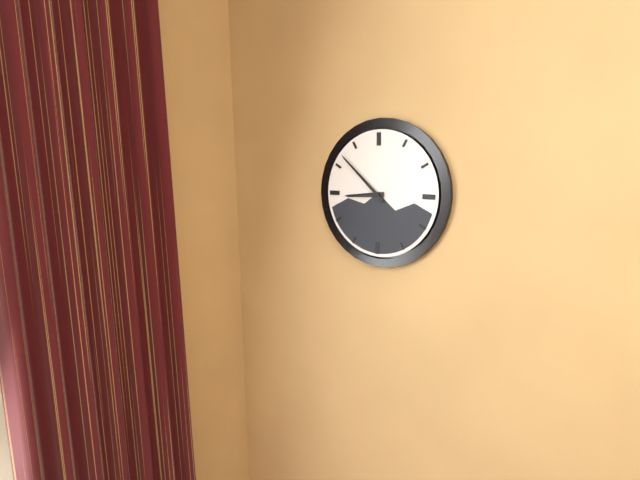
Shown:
8h52
